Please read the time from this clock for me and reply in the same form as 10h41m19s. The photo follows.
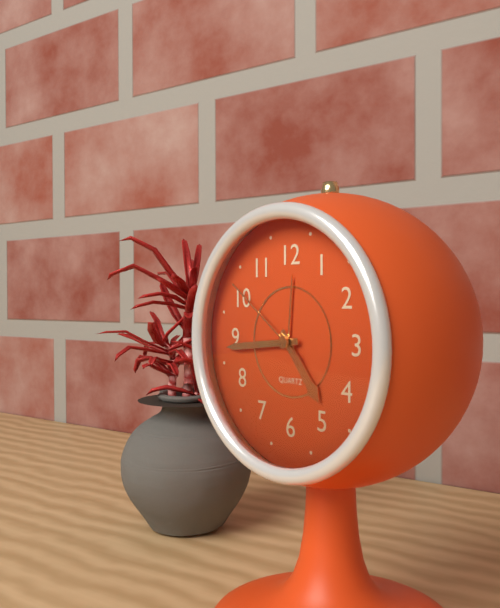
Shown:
4h44m51s
